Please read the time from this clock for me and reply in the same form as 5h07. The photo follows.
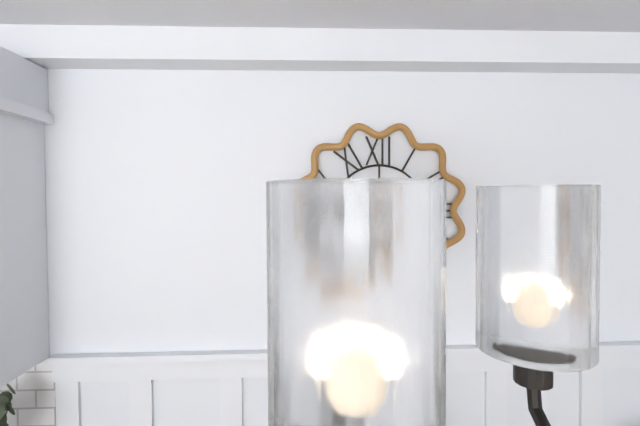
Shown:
10h08
